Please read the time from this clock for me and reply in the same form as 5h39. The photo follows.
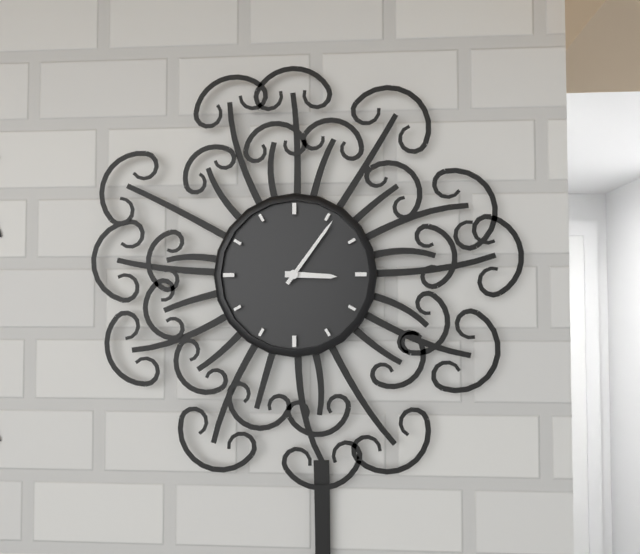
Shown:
3h06
